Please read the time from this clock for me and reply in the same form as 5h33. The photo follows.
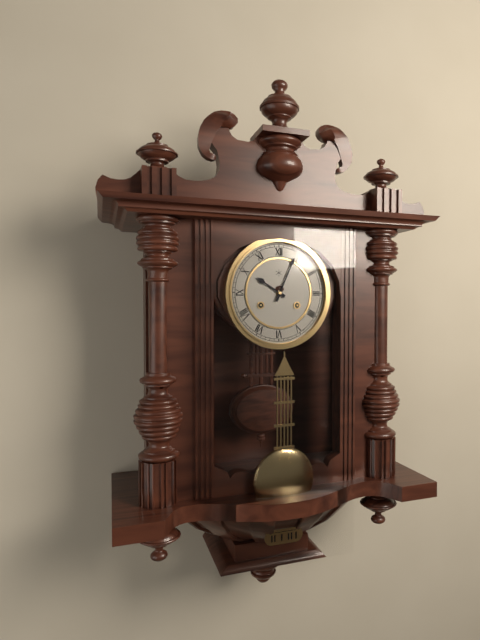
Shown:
10h04
